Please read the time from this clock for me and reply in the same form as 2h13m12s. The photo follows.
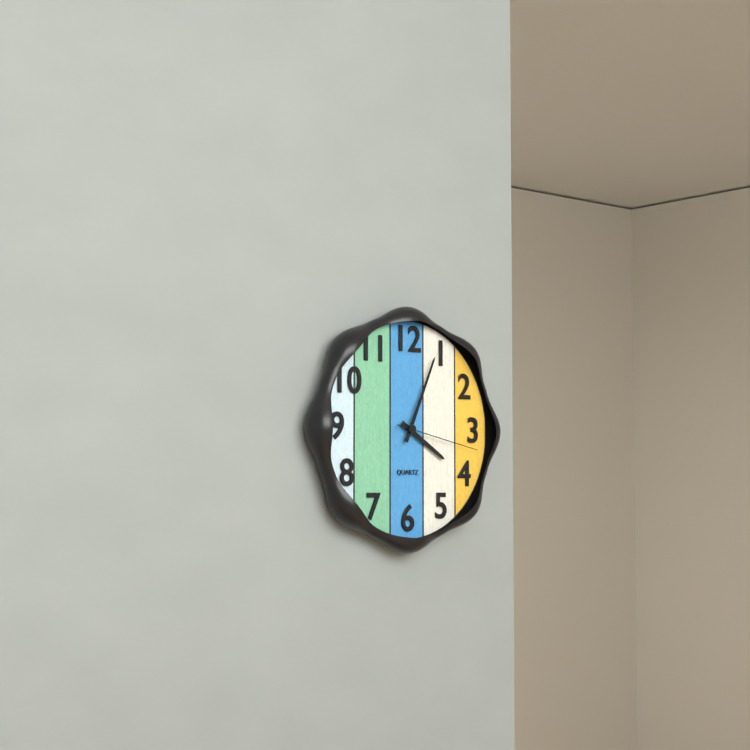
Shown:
4h04m17s
